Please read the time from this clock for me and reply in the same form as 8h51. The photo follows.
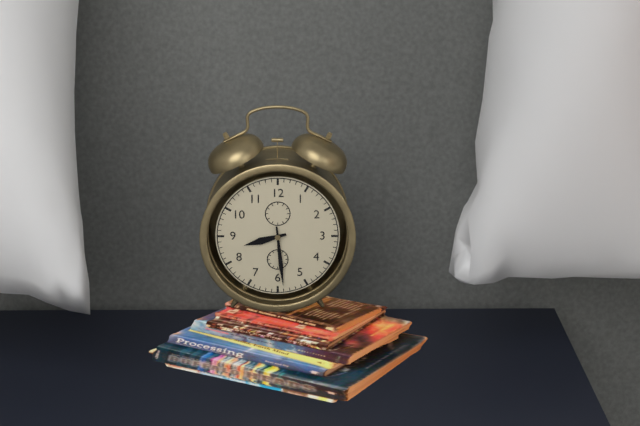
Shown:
8h29
